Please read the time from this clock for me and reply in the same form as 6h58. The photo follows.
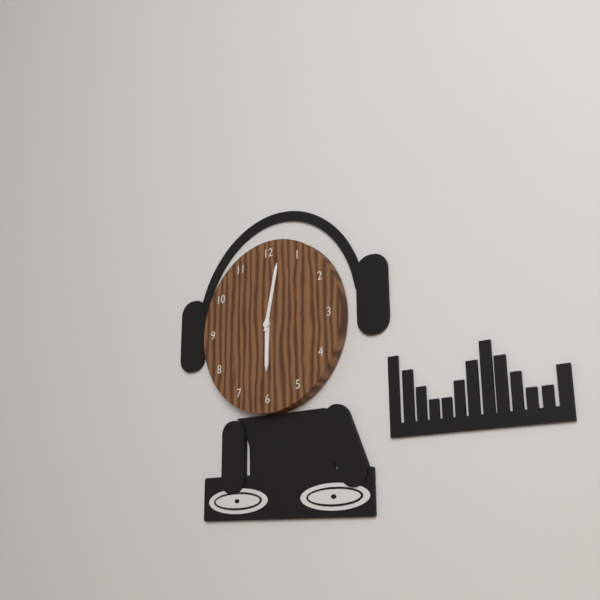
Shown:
6h02
